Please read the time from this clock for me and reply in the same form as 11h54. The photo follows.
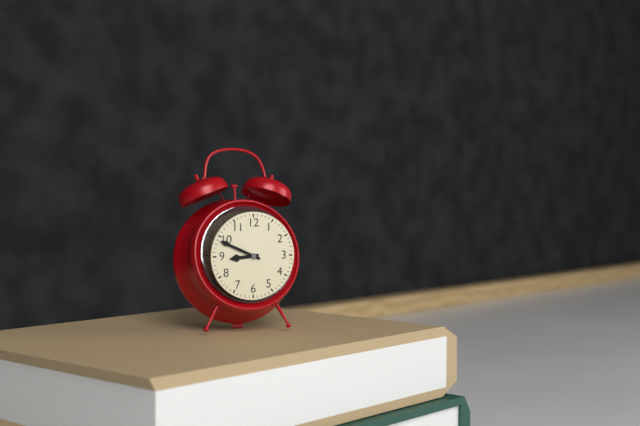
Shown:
8h49
